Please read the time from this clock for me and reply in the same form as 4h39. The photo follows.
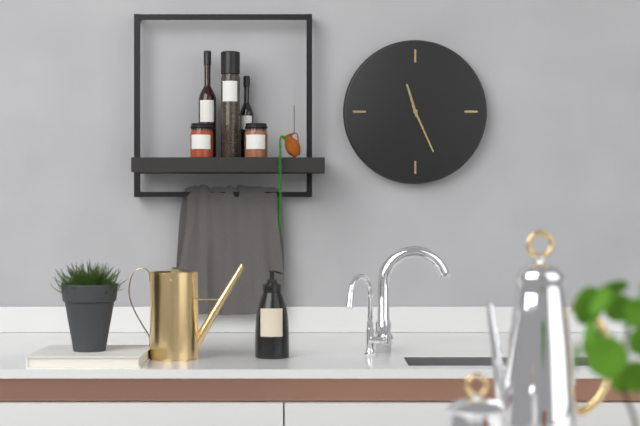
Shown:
11h26
